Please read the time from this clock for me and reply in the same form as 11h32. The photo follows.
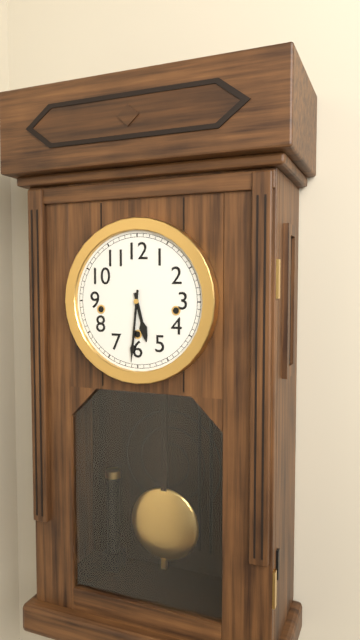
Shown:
5h31
